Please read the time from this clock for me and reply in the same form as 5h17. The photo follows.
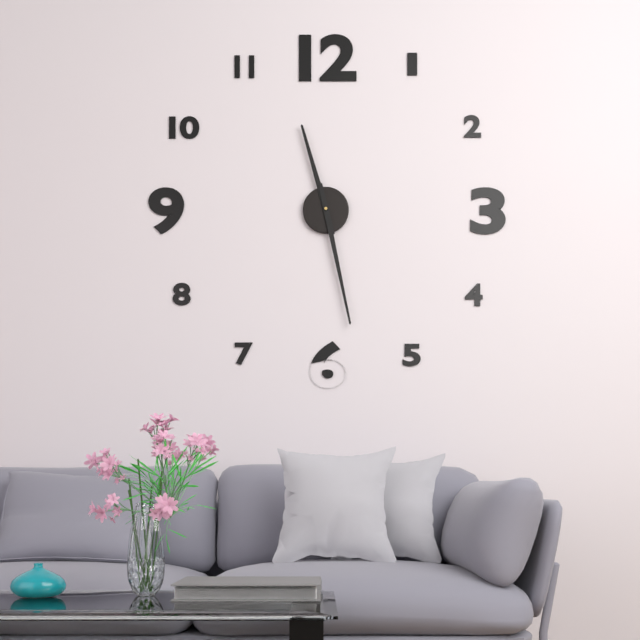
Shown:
11h28
